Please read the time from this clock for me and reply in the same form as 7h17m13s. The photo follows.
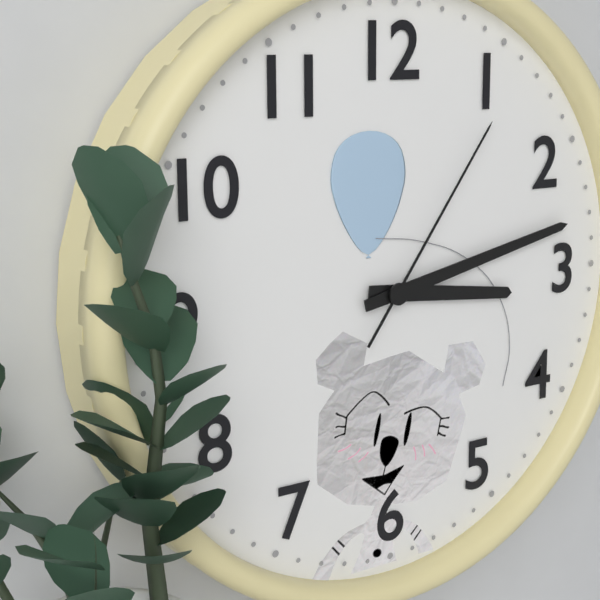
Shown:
3h13m06s
